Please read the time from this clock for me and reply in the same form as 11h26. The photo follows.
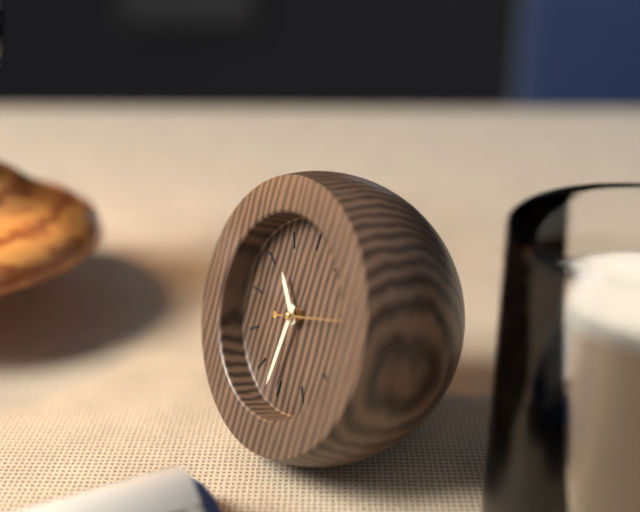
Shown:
10h31
